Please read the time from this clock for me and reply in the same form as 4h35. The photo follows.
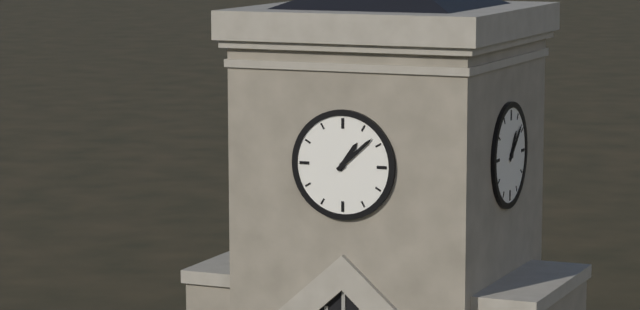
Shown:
1h08
